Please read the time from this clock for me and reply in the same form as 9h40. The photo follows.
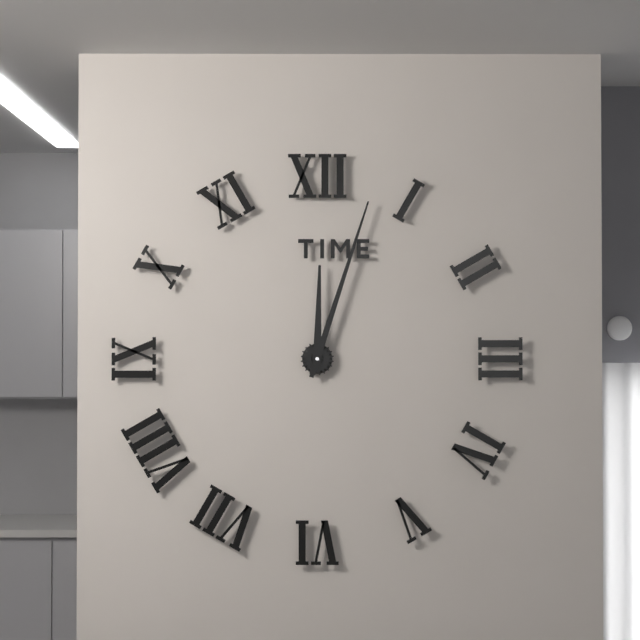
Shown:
12h03
